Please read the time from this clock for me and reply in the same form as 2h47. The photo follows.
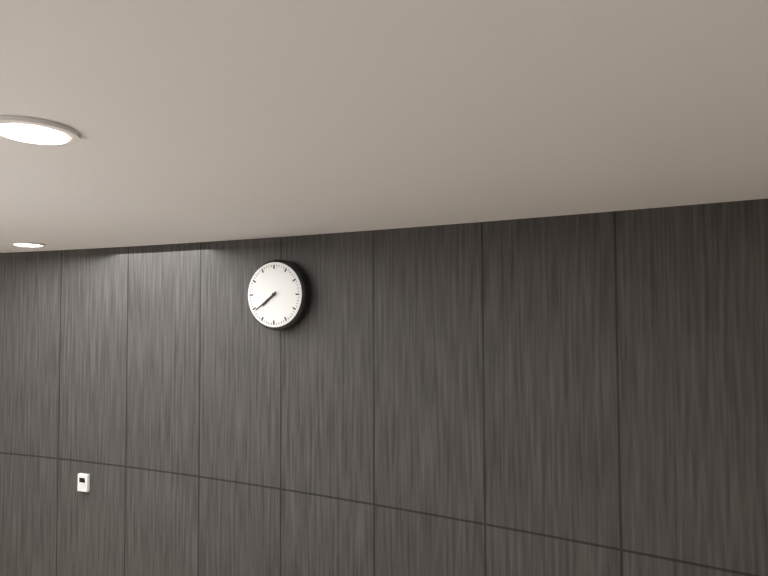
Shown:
7h39
